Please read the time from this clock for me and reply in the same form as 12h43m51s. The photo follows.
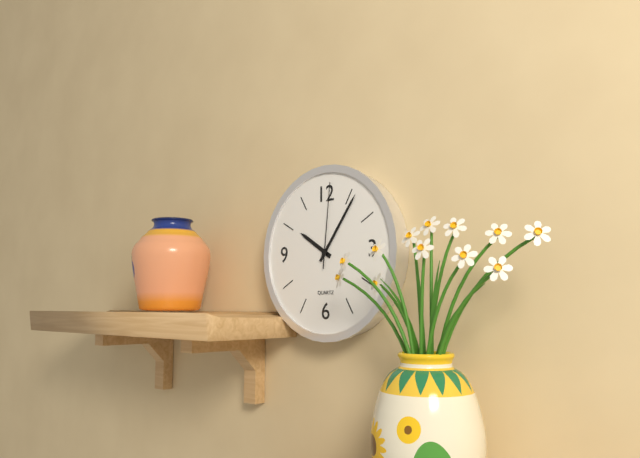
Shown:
10h06m01s
